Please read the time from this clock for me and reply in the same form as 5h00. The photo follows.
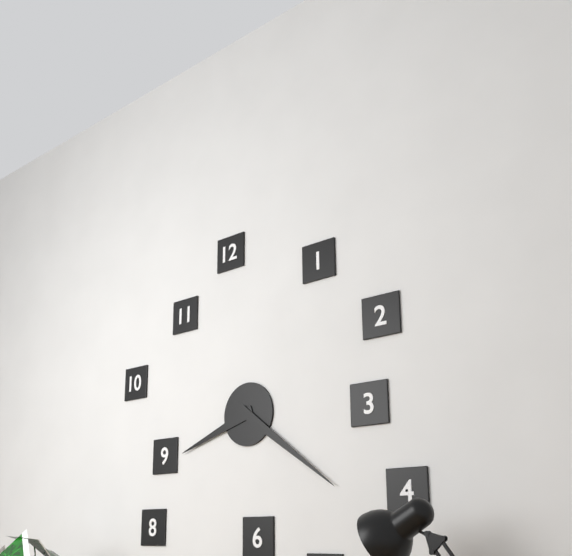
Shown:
8h21
